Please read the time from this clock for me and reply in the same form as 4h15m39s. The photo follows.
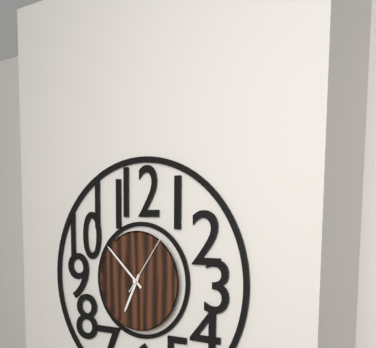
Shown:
6h52m06s
